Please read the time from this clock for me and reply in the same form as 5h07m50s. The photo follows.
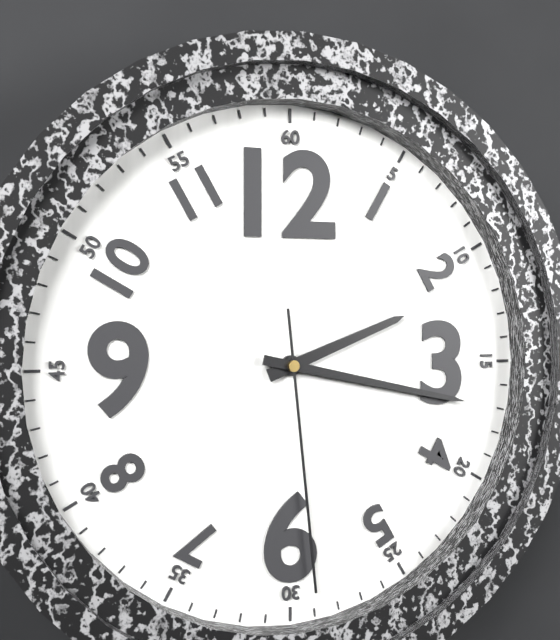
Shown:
2h17m29s
